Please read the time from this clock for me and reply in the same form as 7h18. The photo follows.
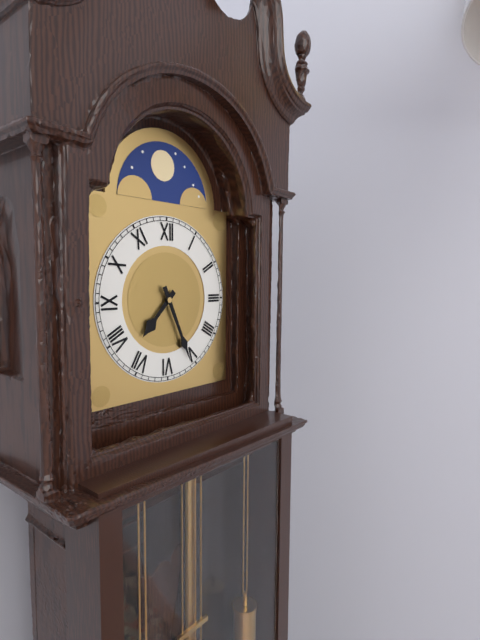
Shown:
7h26
